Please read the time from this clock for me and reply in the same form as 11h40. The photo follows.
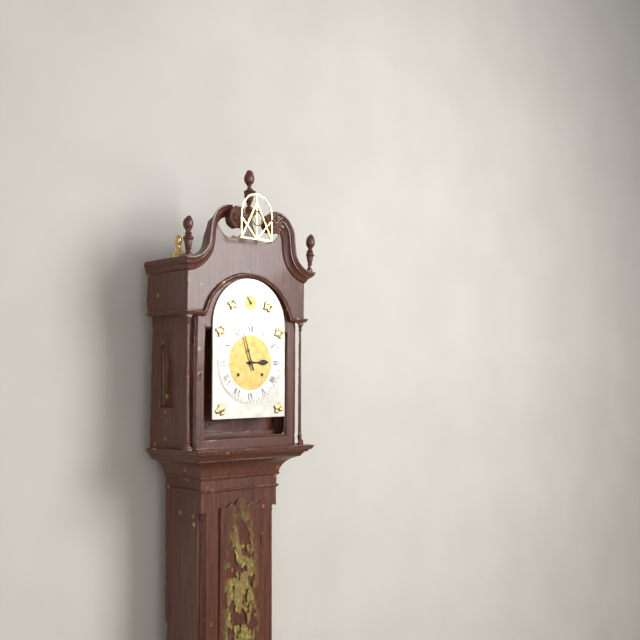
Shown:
2h57
